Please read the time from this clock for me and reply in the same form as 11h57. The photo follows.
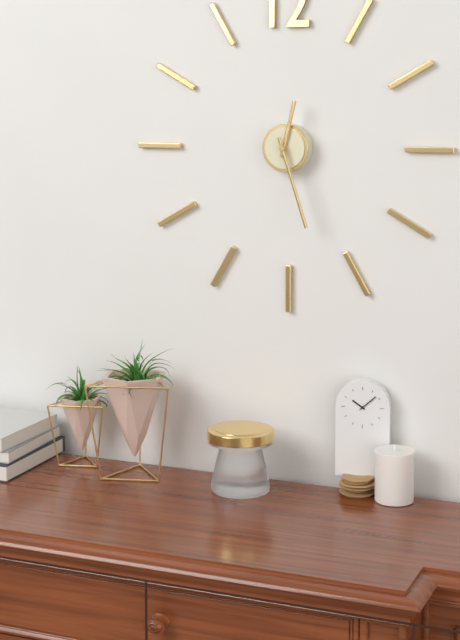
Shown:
12h27
